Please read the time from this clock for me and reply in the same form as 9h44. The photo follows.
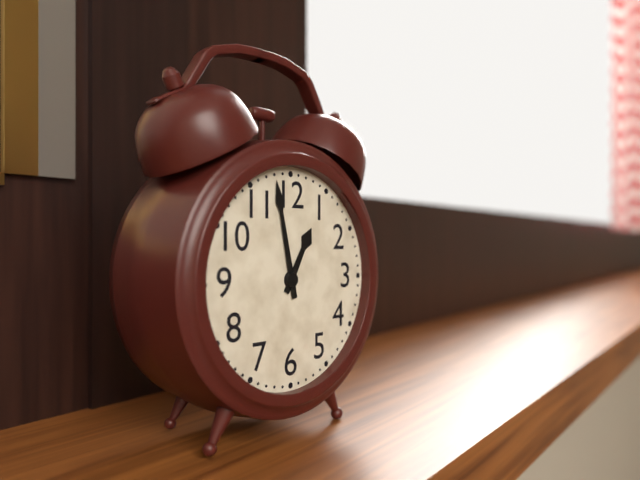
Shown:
12h58
